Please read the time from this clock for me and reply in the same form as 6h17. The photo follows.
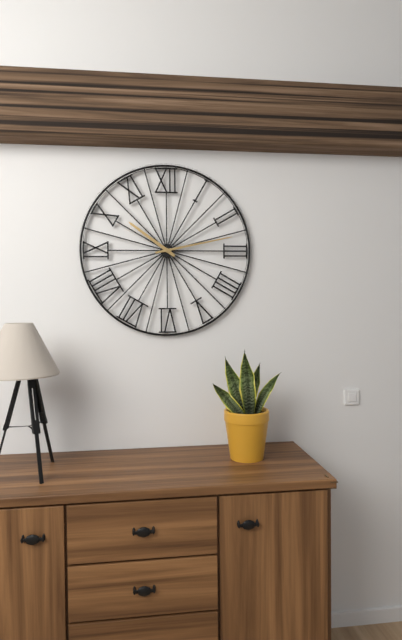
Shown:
10h13
